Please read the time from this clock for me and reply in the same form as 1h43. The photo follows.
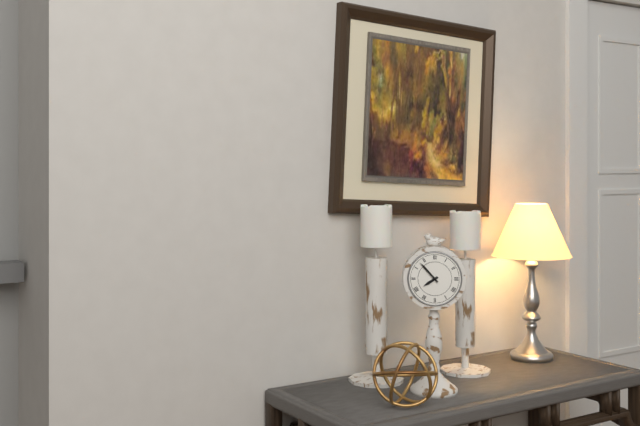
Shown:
7h53
